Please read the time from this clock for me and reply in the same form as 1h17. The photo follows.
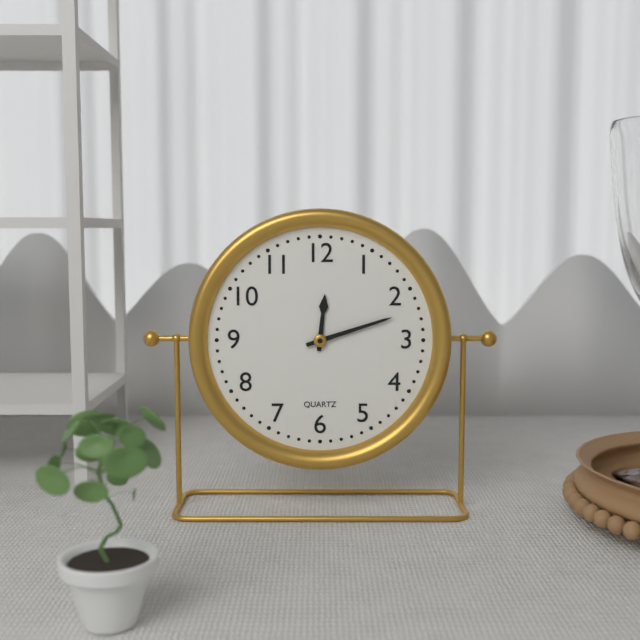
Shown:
12h12
